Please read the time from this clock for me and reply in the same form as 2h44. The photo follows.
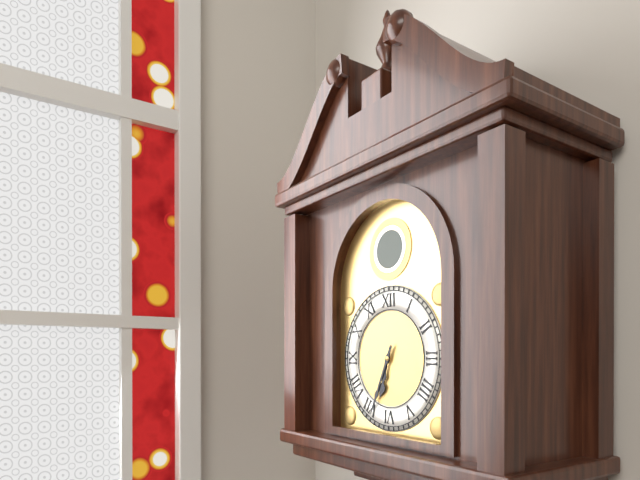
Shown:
6h34
